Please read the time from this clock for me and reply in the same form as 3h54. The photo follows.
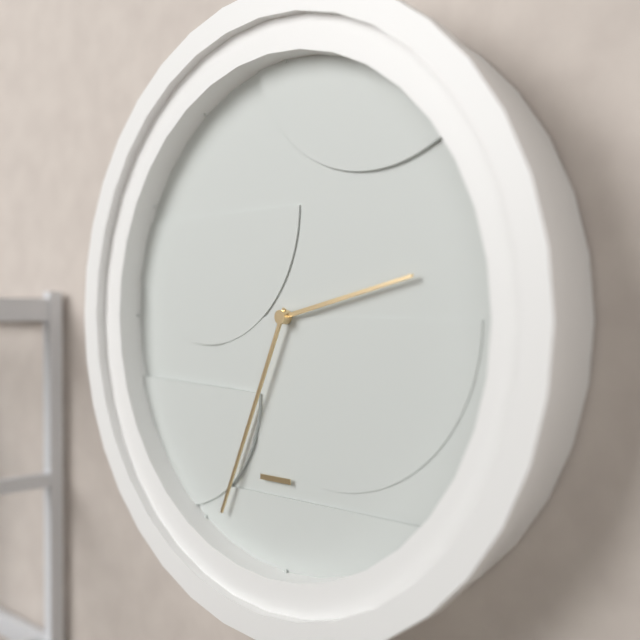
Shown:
2h34
